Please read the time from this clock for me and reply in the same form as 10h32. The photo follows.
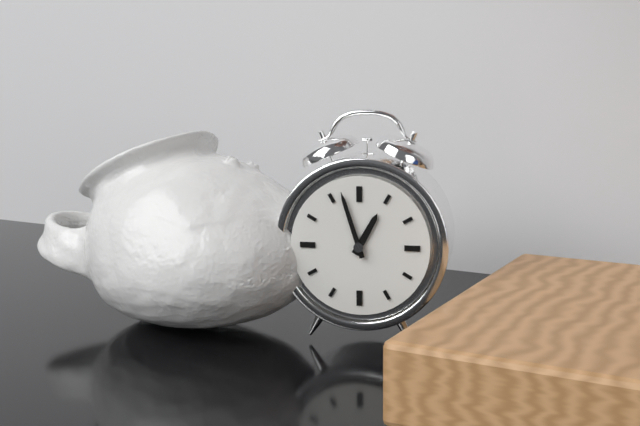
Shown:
12h57
